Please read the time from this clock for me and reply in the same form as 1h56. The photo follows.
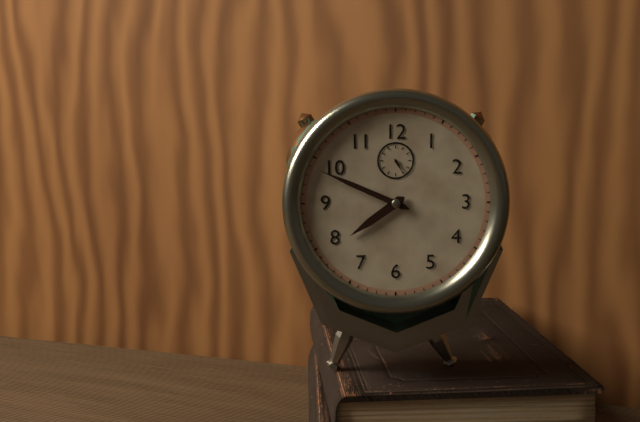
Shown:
7h49
